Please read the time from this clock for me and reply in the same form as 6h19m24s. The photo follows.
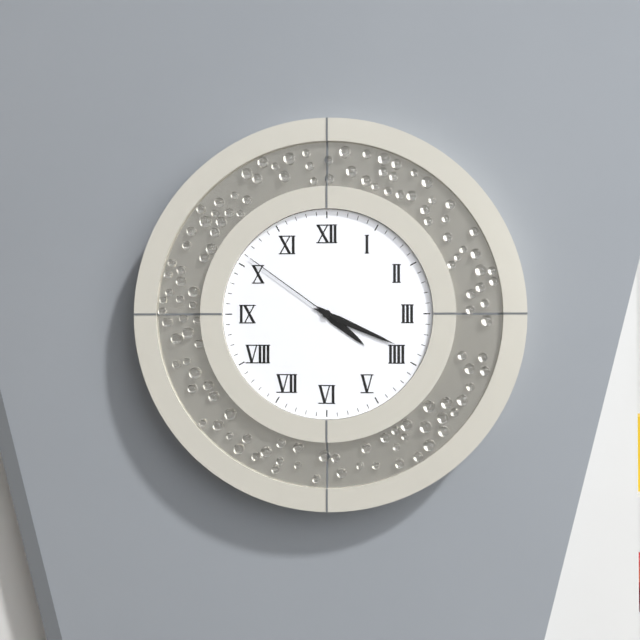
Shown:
4h19m51s
